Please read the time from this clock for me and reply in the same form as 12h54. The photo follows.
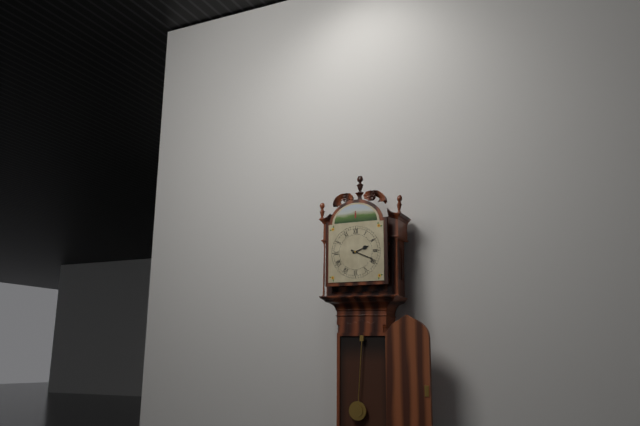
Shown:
2h19
